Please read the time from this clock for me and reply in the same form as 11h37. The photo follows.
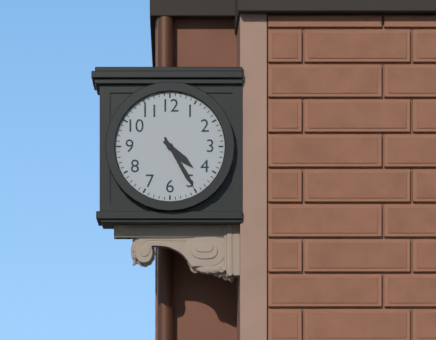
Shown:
4h25
